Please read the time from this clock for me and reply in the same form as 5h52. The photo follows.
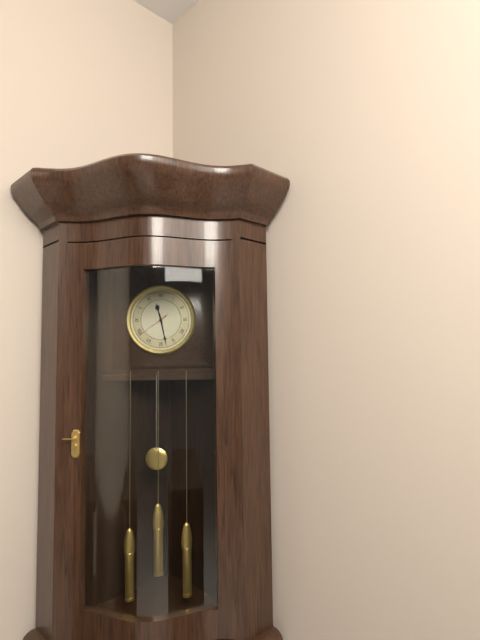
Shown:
11h28
